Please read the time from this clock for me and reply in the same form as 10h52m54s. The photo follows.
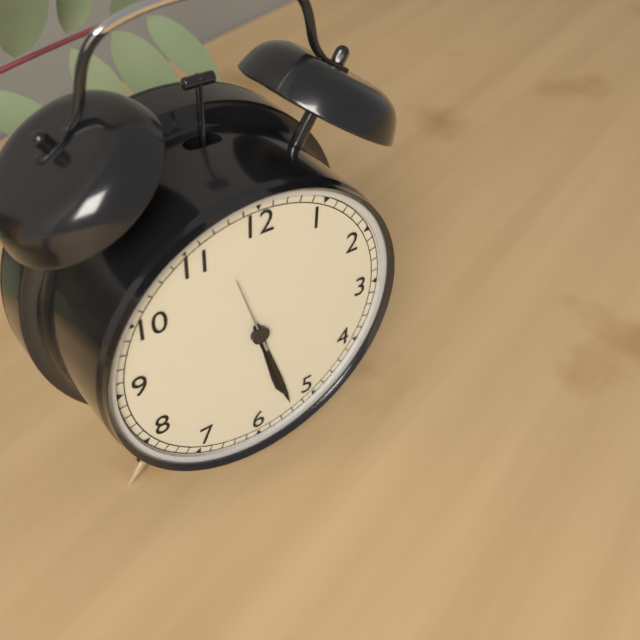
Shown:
5h27m57s
